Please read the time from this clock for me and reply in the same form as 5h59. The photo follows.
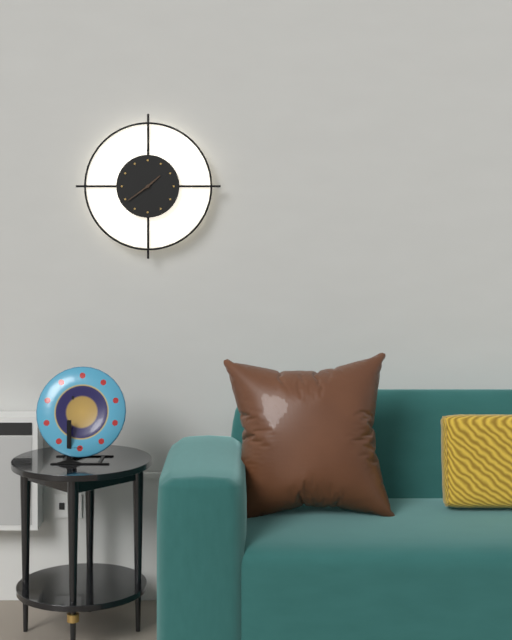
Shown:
1h39
